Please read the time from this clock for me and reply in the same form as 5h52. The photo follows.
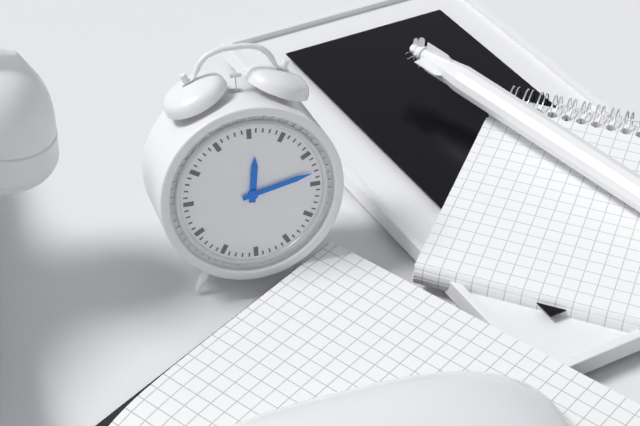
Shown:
12h13
